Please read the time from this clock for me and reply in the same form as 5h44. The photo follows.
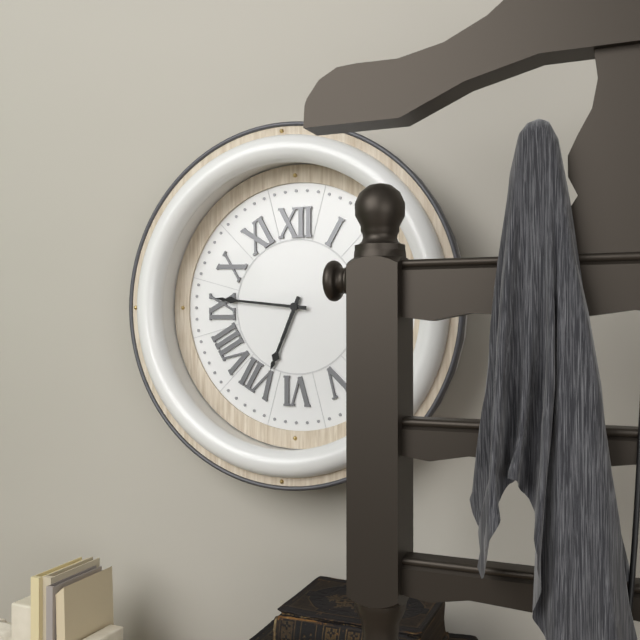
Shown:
6h46
